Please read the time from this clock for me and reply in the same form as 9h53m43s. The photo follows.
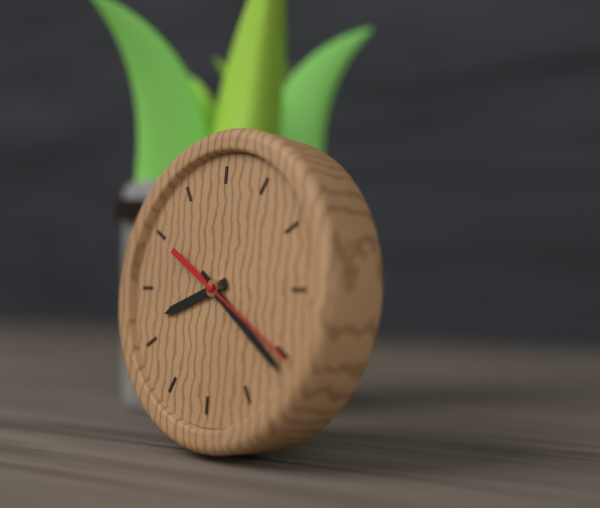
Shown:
8h21m20s
